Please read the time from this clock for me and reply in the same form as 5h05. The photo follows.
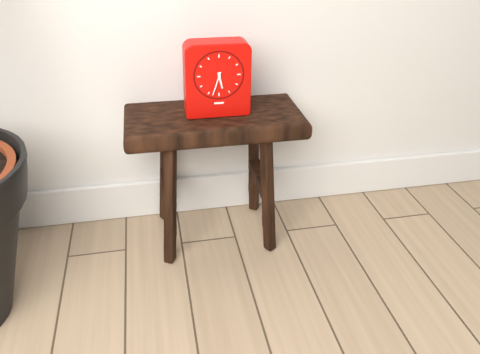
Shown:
5h33
